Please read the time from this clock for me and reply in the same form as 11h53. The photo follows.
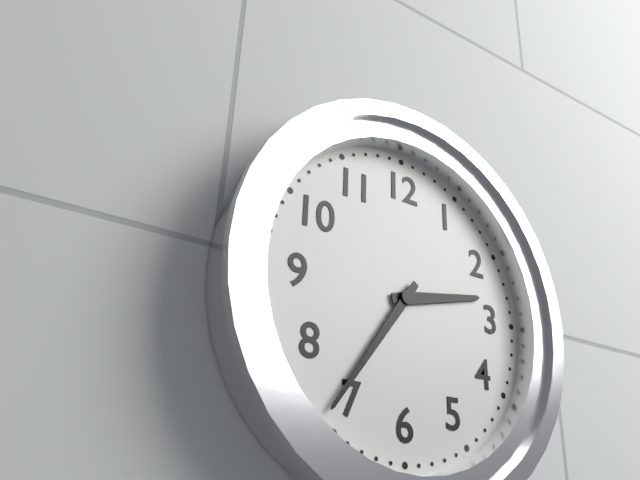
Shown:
2h36
